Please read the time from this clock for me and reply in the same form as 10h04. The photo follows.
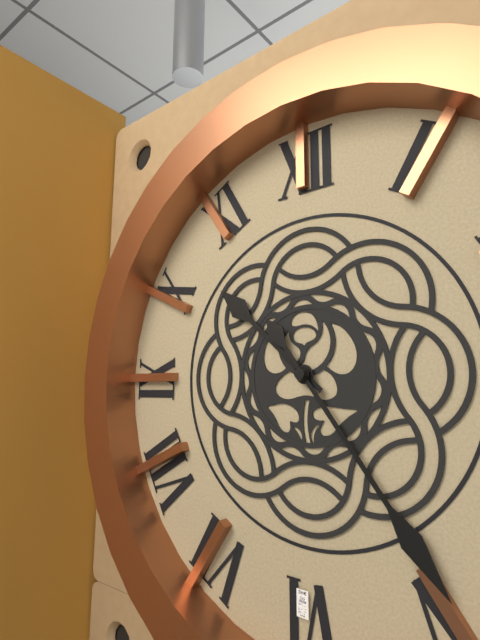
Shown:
10h24
